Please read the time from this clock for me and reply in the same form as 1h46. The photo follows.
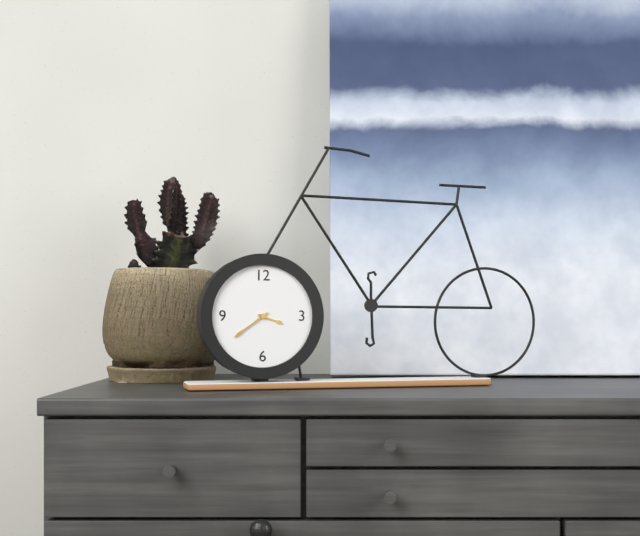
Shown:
3h39
